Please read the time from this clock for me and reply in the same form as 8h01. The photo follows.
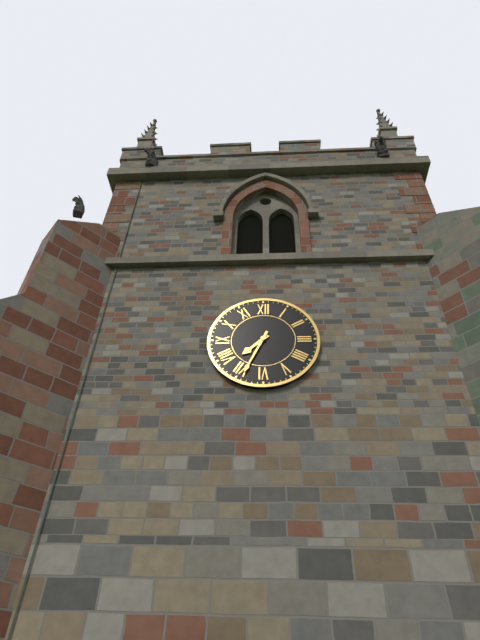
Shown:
7h34
